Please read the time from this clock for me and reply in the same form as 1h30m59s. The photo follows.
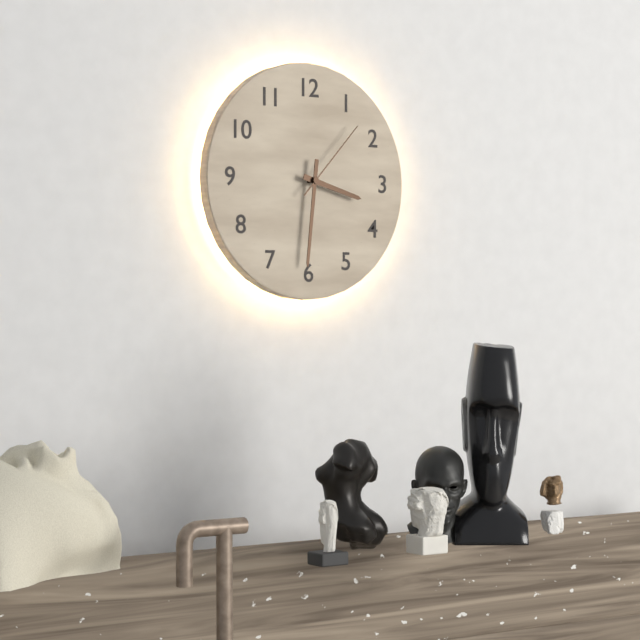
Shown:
3h31m07s
